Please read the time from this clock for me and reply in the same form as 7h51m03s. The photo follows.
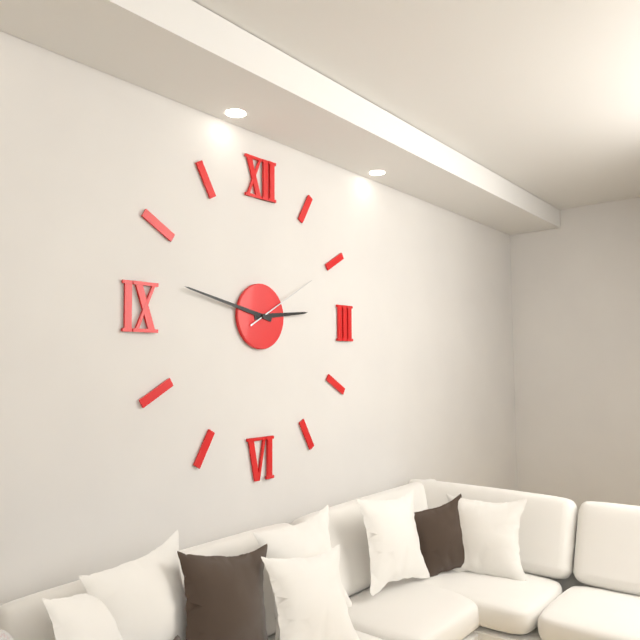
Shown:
2h47m10s
